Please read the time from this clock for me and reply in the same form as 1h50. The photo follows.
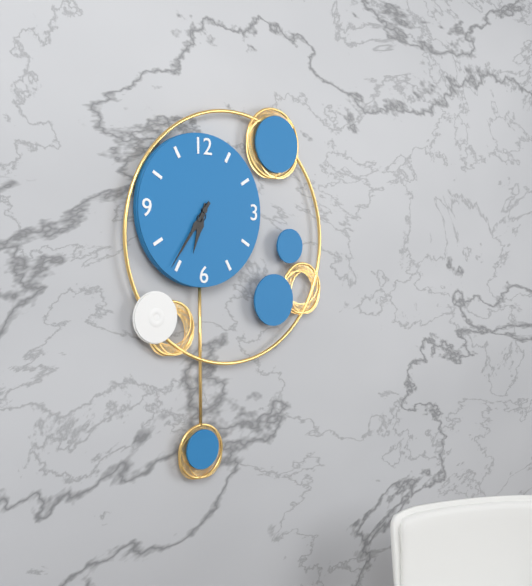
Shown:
6h36
